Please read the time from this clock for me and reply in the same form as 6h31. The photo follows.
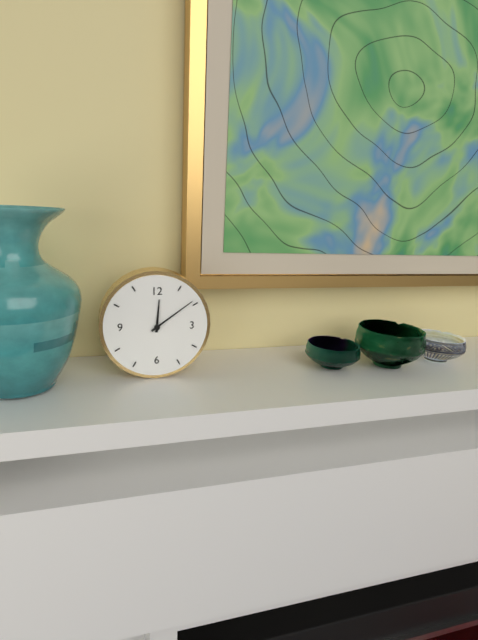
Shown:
12h09
